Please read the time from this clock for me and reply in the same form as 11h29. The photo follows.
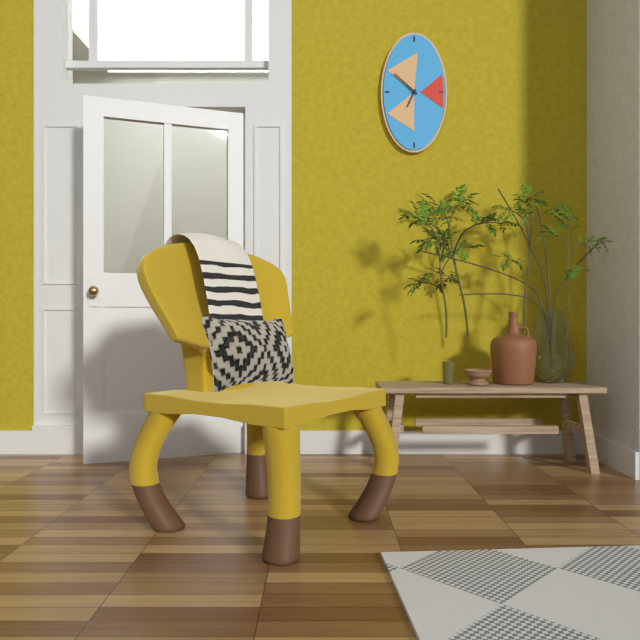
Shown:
6h52
